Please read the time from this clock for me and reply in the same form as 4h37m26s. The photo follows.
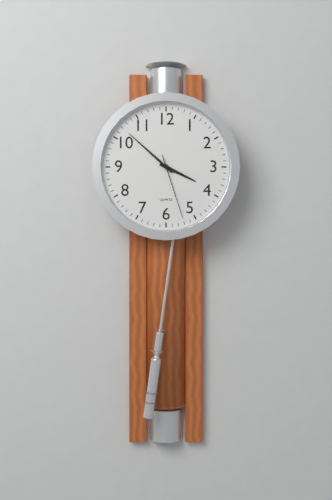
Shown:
3h52m27s
